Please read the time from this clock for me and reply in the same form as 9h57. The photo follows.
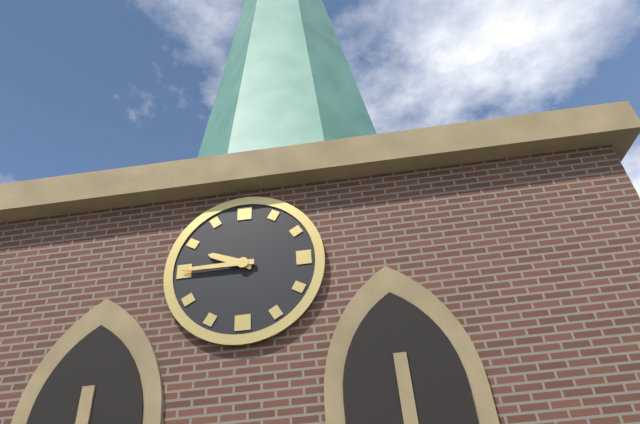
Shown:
9h45
